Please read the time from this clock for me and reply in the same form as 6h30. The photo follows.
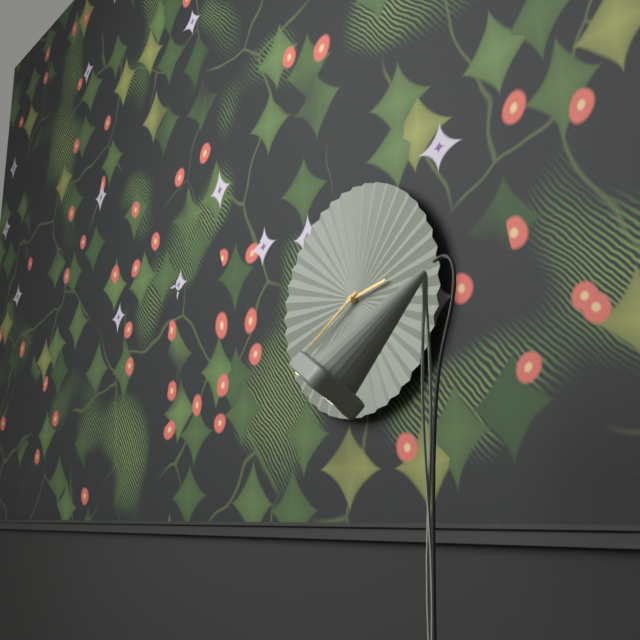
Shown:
2h40
